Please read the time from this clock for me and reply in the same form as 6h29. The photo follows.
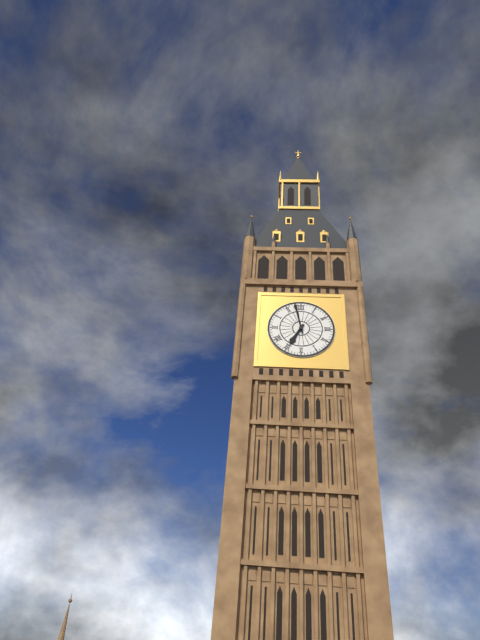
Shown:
6h58
